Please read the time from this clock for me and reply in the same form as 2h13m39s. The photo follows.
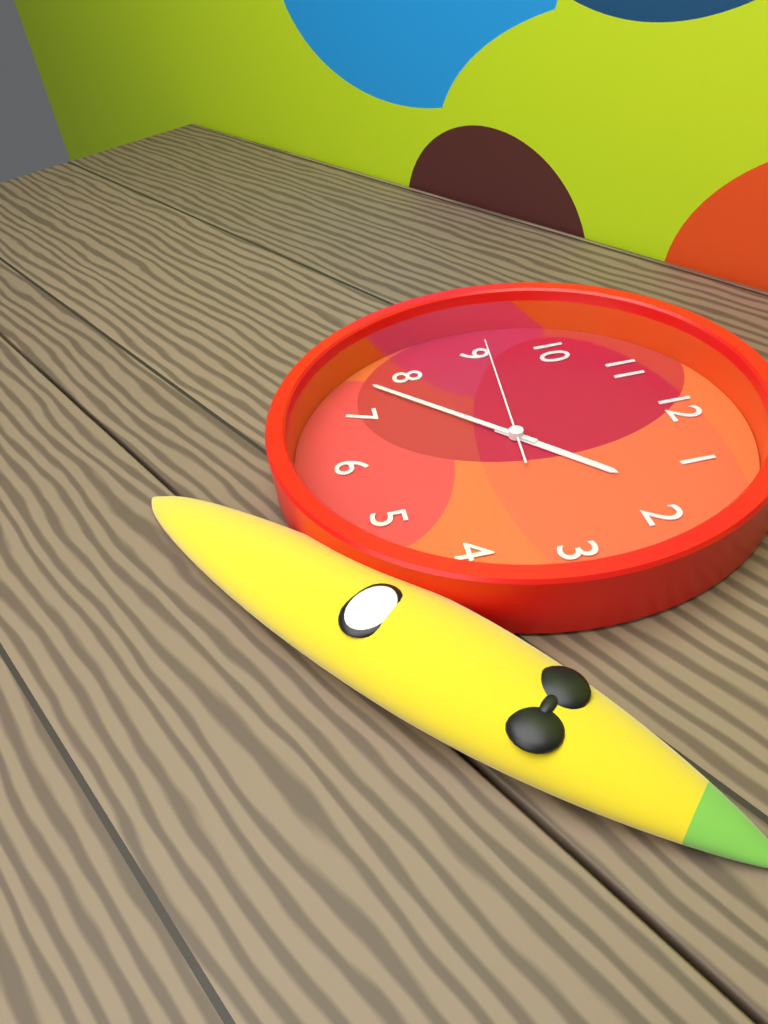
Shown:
1h38m46s
